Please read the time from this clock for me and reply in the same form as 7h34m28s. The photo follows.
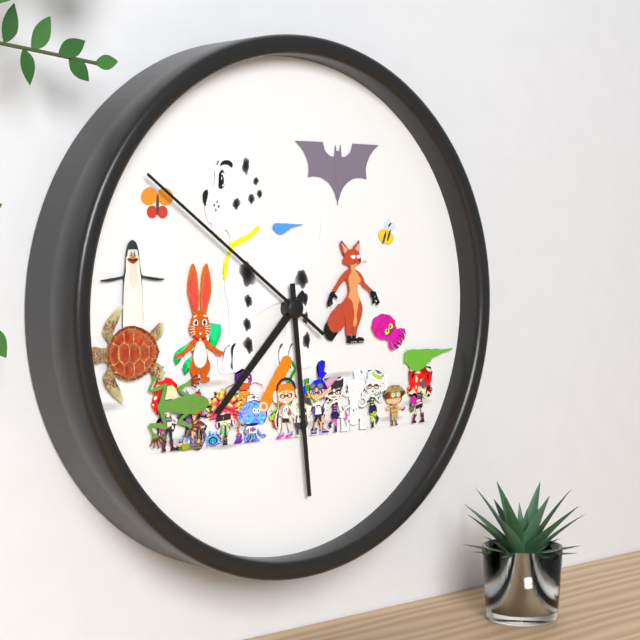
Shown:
7h29m51s
